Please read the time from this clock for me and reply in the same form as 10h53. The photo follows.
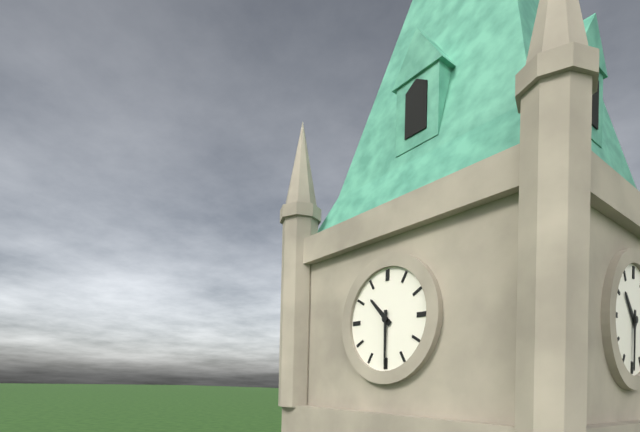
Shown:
10h30
